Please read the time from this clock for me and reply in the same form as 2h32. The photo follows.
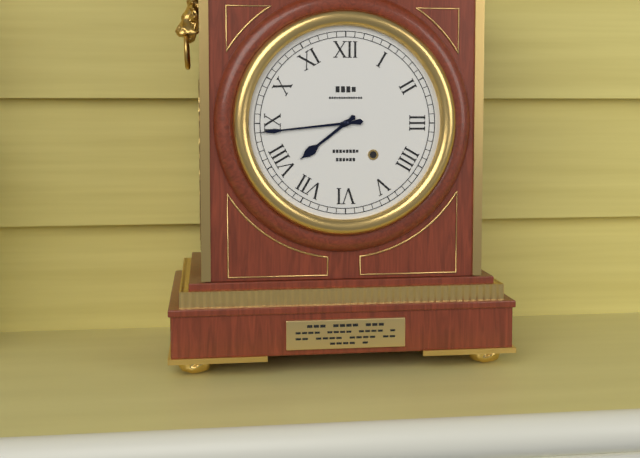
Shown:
7h44
